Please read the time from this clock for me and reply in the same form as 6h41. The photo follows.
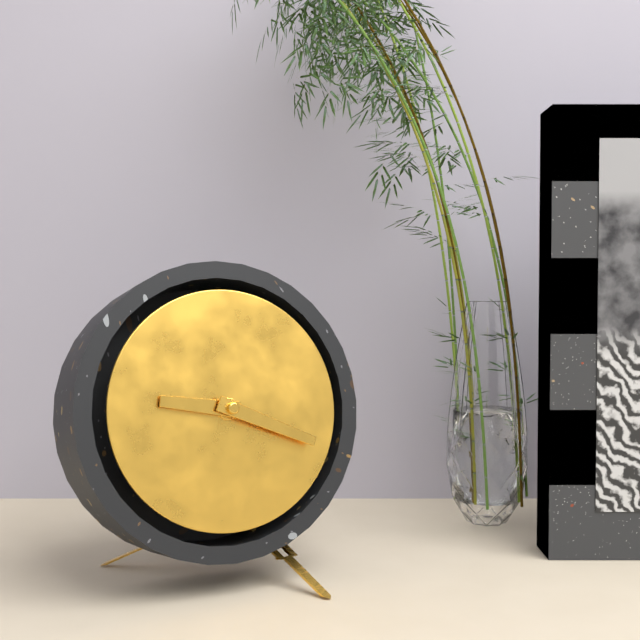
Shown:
9h19
